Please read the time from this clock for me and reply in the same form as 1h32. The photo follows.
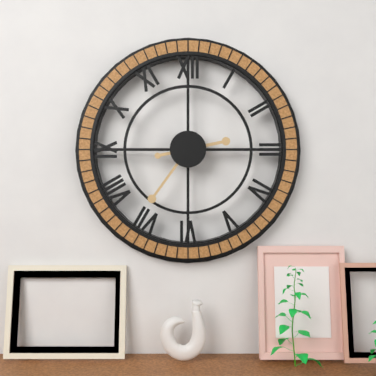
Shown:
2h36
